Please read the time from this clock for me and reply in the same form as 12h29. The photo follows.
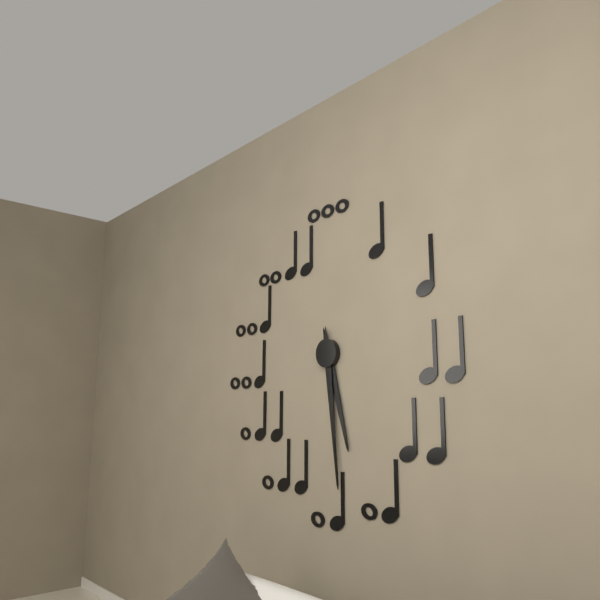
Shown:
5h29
